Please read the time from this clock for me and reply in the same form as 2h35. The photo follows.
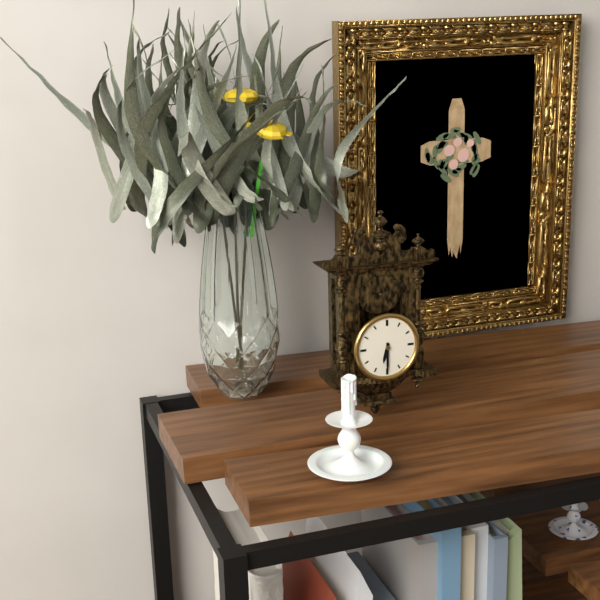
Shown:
6h30
